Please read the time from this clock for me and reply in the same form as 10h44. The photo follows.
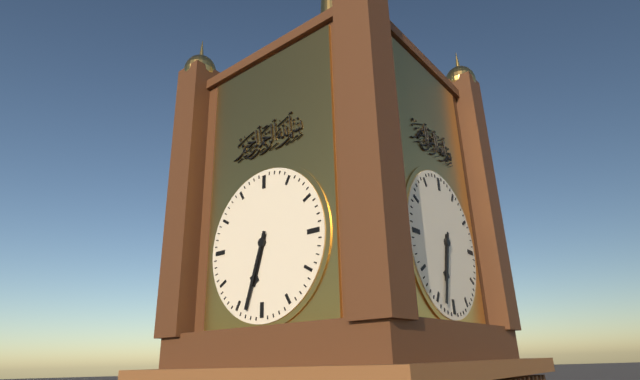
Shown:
6h33
